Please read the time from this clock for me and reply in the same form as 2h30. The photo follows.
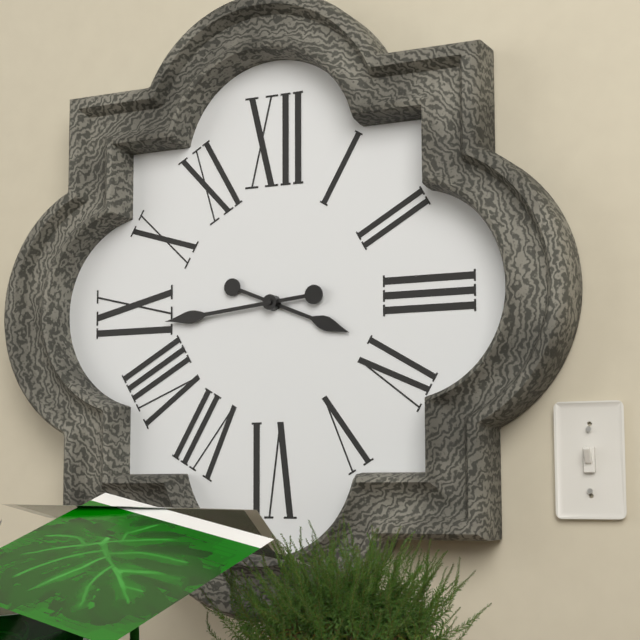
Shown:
3h44
